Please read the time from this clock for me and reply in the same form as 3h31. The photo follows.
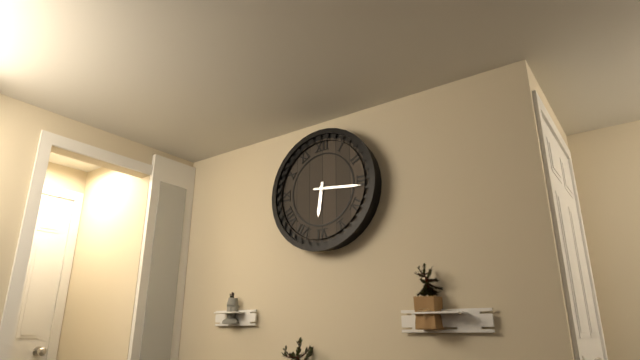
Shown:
6h16
